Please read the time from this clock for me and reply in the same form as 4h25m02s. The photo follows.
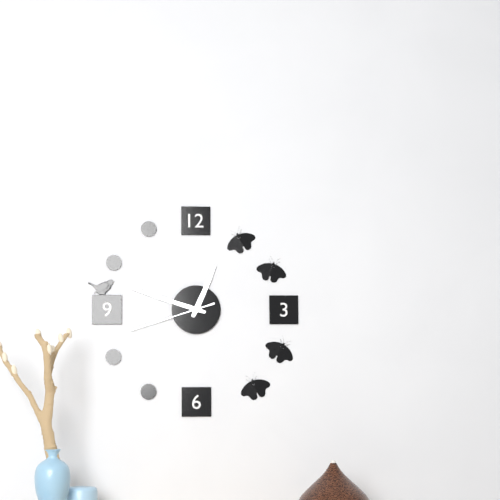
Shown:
12h48m42s
